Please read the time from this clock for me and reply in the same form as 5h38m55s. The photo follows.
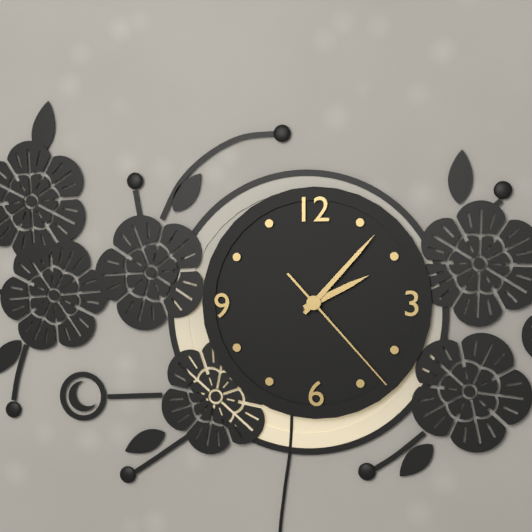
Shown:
2h07m23s
